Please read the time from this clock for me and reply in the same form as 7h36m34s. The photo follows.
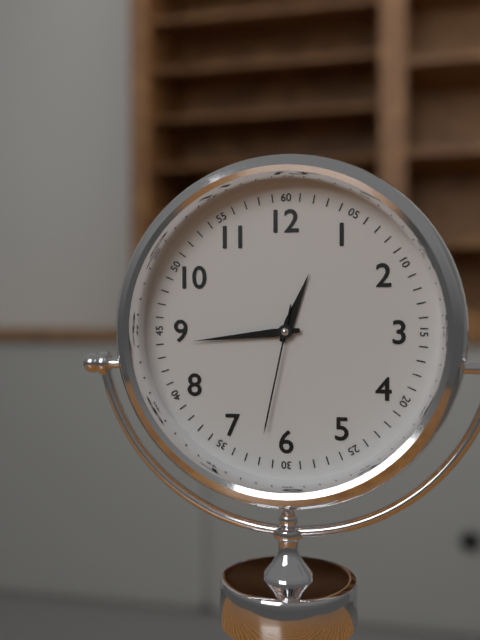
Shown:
12h44m32s
